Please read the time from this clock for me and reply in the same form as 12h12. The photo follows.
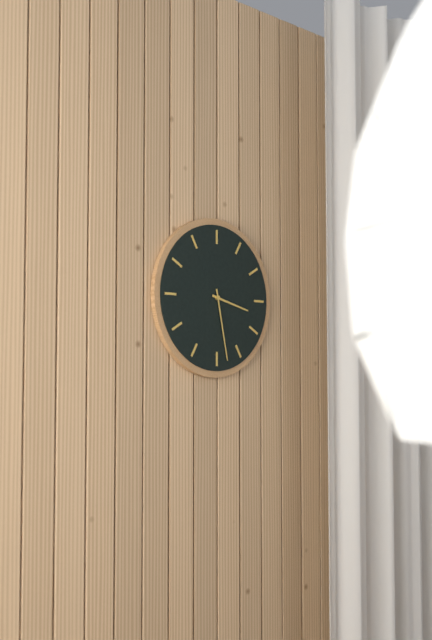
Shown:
3h28
